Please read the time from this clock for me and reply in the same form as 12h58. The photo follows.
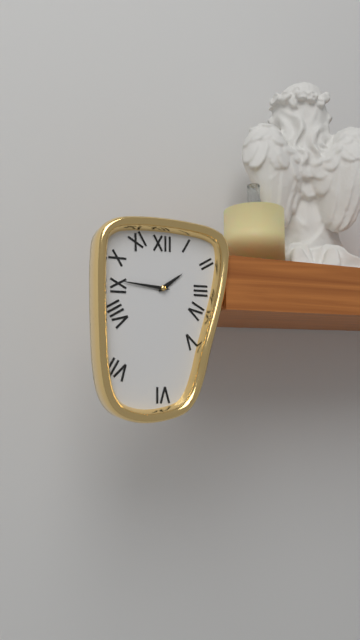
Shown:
1h46
